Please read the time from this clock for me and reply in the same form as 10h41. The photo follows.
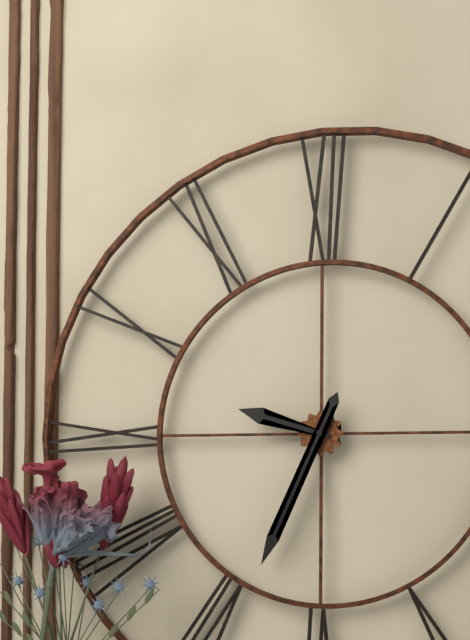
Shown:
9h34
